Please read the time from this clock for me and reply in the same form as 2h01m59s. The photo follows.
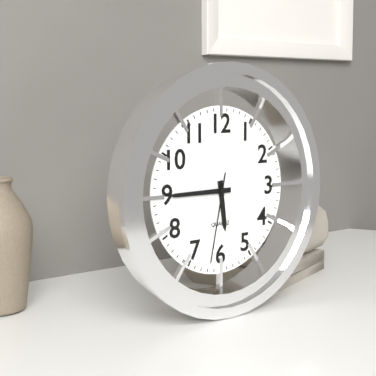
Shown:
5h45m32s
